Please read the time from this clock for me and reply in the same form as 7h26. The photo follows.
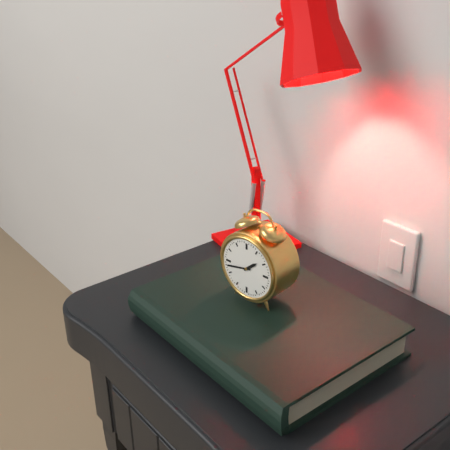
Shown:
1h43
